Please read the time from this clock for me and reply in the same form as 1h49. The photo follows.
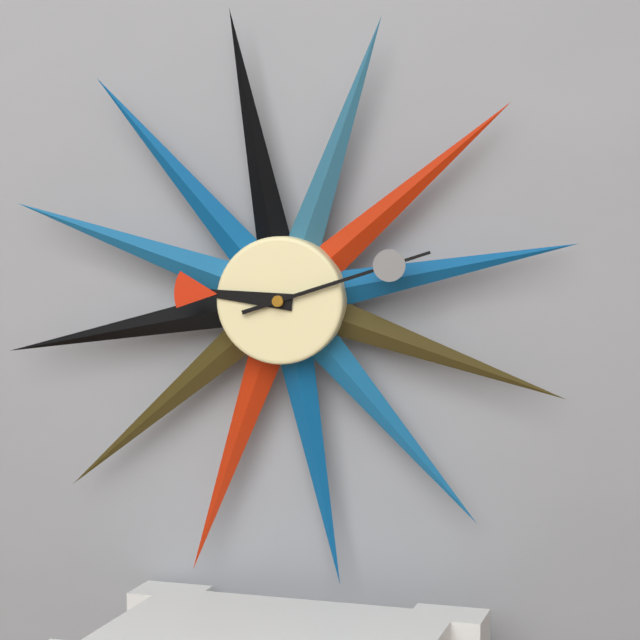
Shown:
9h12
